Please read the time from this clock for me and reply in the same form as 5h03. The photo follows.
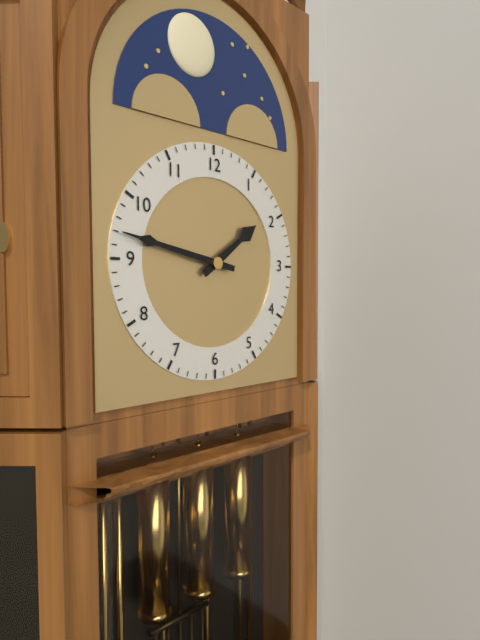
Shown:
1h47
